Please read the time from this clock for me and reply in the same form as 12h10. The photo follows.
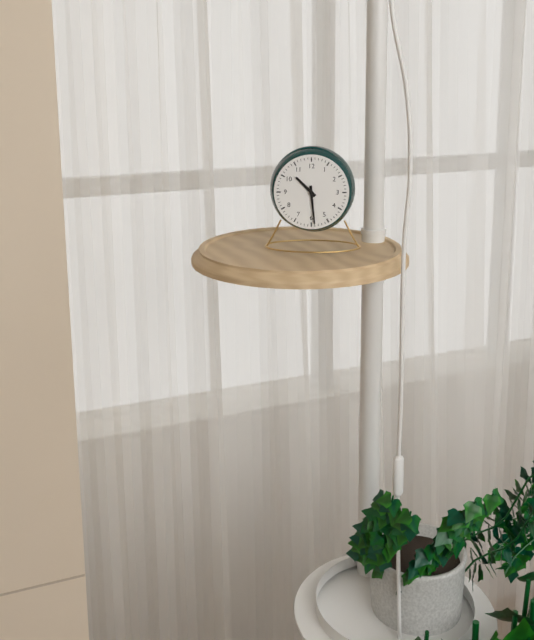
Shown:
10h29
